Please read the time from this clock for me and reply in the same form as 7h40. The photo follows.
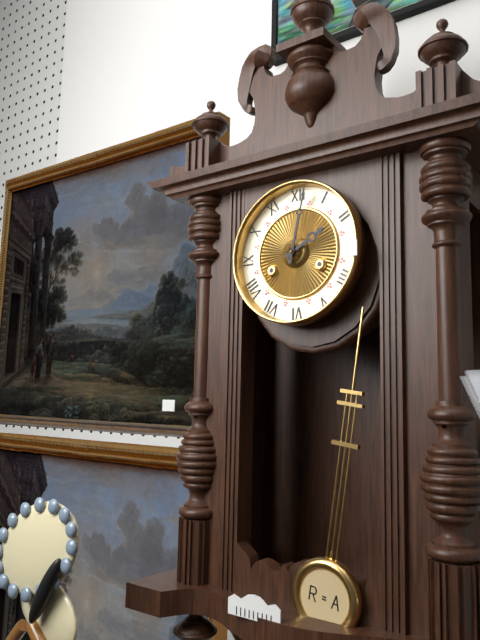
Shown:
2h02
